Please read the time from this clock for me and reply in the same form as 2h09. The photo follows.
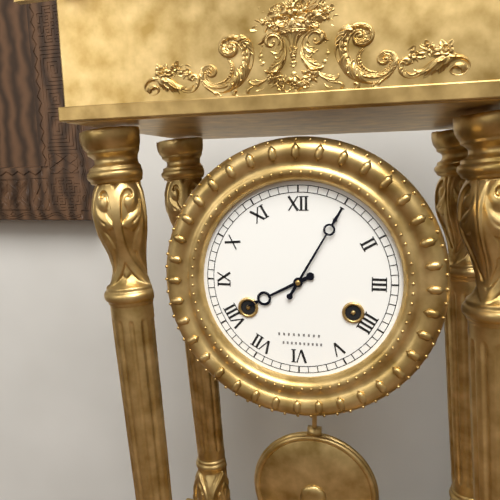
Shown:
8h05
